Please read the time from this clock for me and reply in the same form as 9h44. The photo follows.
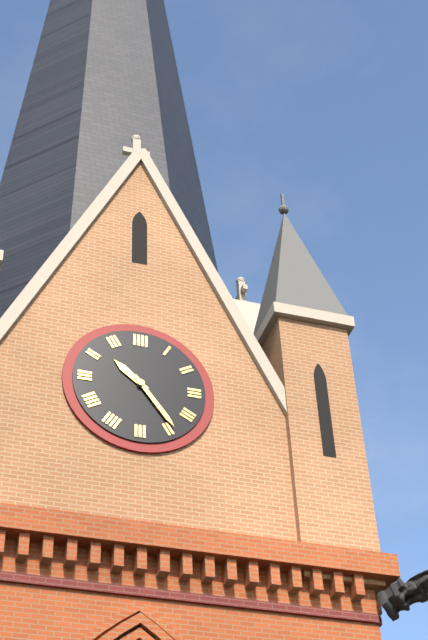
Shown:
10h24
